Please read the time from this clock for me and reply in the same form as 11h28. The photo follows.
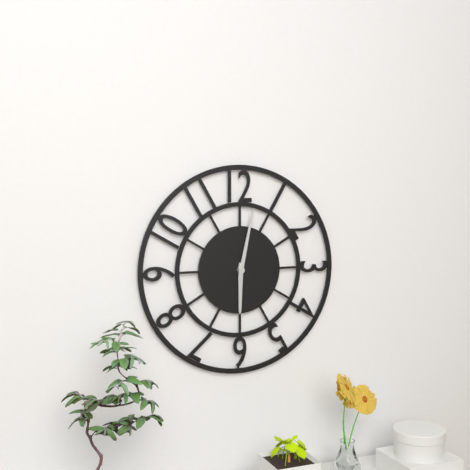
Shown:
6h02
